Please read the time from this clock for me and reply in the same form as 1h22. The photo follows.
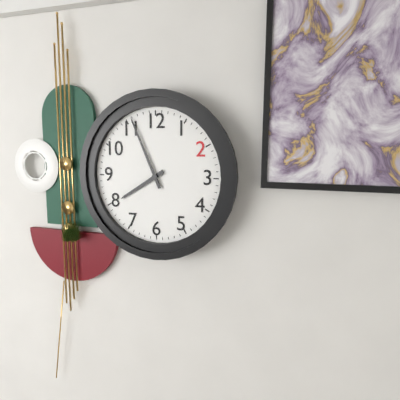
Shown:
7h56
